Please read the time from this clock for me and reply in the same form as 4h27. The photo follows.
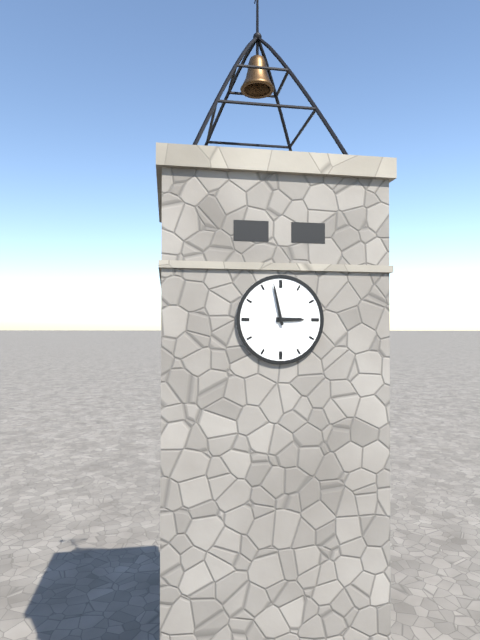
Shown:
2h58
